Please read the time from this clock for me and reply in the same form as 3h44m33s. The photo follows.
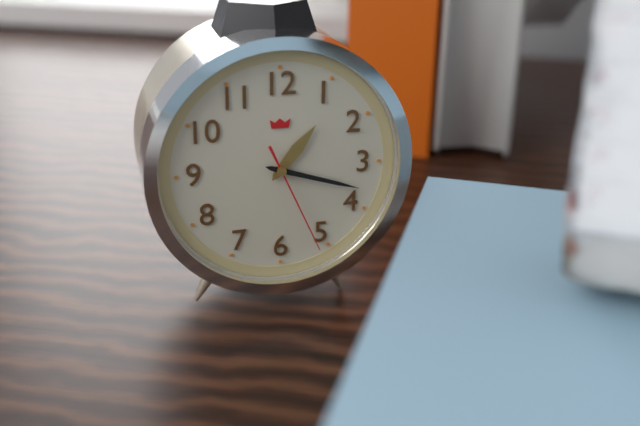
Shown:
1h18m26s
